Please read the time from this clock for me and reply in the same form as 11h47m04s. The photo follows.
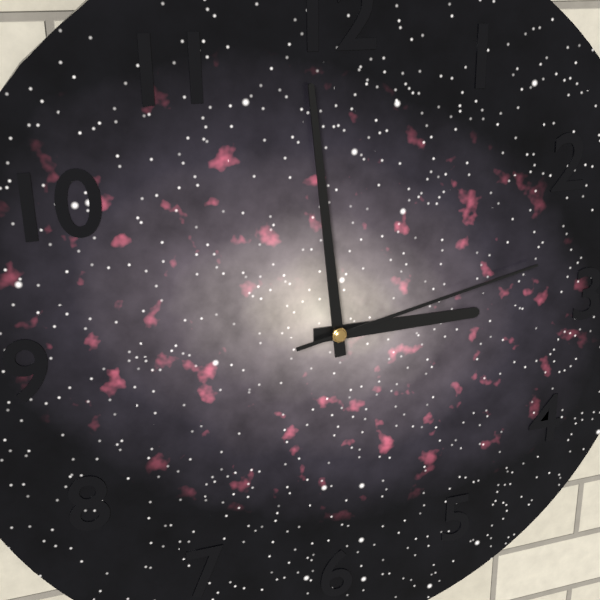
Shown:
2h59m13s
